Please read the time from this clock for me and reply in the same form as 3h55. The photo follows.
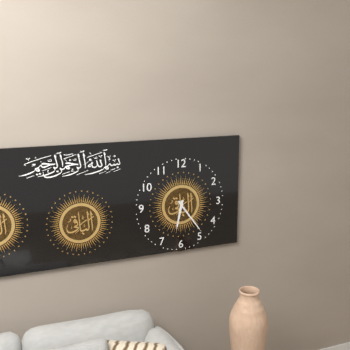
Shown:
6h24
